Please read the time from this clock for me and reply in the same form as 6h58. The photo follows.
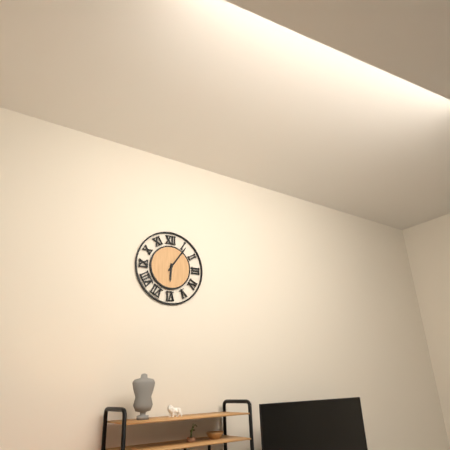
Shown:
6h06
